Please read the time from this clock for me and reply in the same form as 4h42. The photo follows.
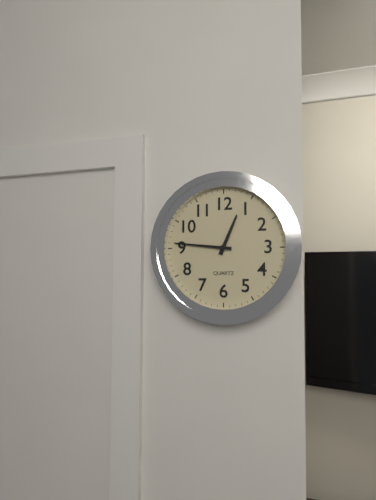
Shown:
12h46
